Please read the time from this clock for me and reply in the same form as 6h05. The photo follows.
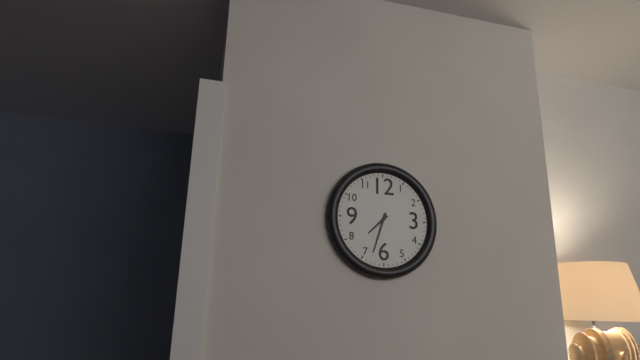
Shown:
7h33
